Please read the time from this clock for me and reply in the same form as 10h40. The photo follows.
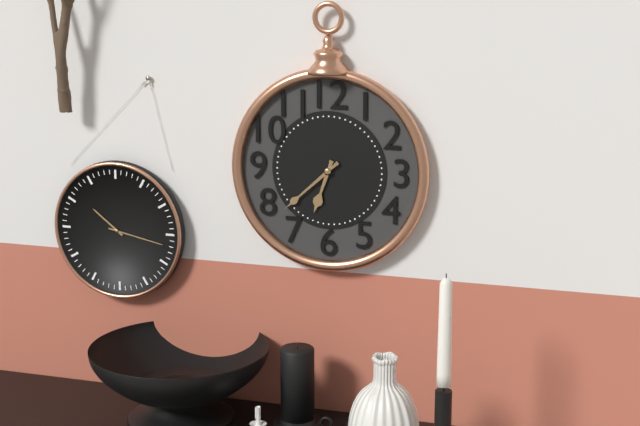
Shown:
6h38
